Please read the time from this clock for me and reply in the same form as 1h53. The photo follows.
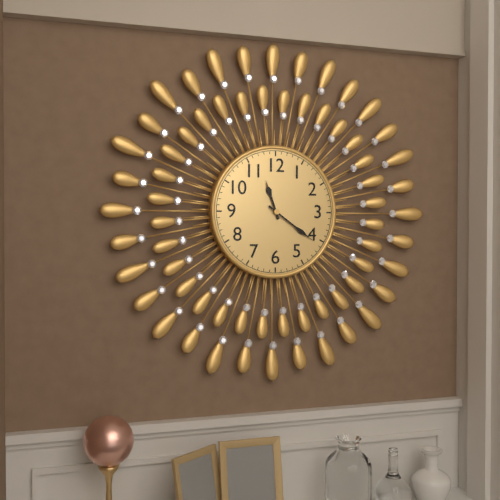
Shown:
11h21
